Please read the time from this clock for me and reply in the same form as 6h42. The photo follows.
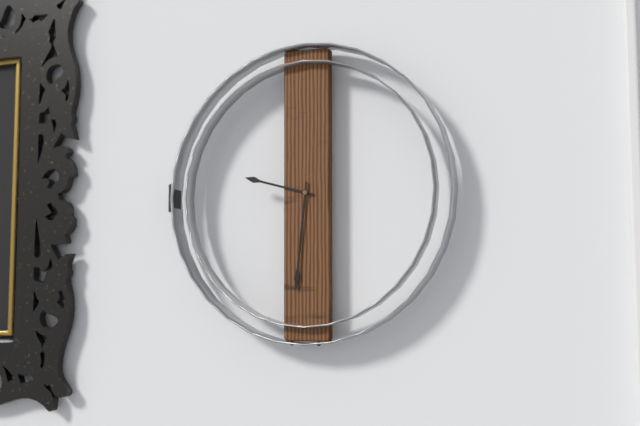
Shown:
9h31
